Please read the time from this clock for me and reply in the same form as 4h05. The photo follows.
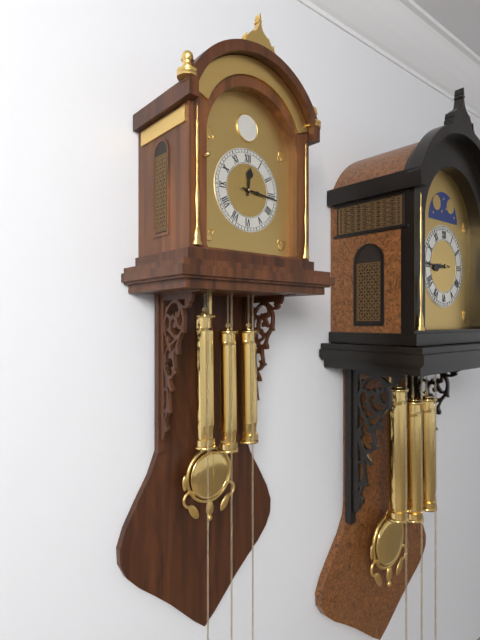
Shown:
12h16
